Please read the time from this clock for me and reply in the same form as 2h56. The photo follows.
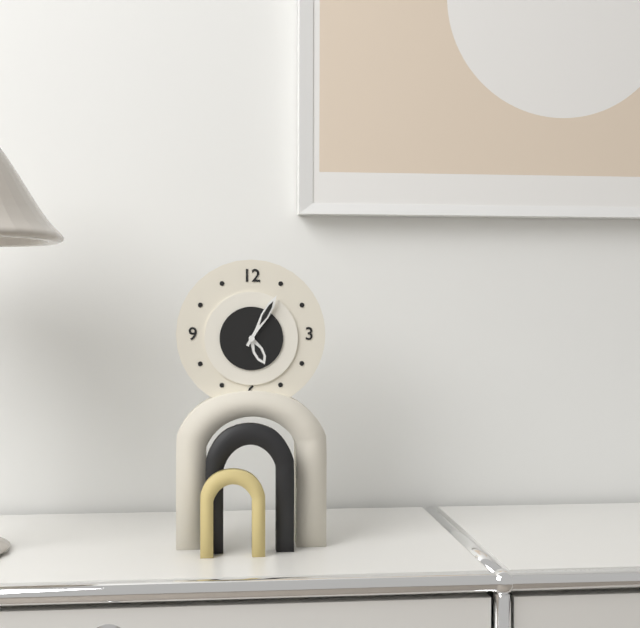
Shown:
5h05
